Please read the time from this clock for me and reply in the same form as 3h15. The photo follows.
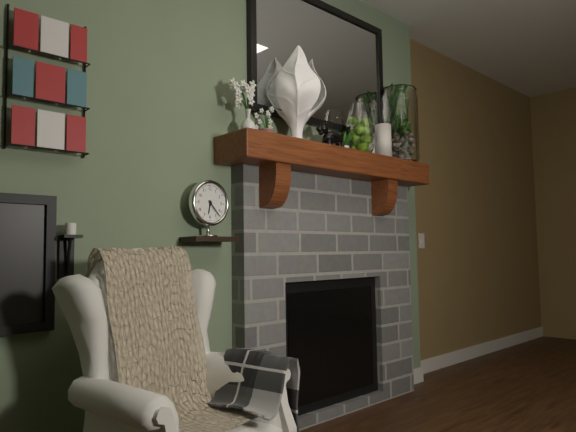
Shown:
6h23
